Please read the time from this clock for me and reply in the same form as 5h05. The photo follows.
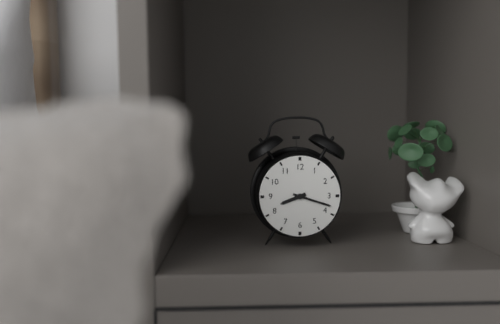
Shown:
8h18
